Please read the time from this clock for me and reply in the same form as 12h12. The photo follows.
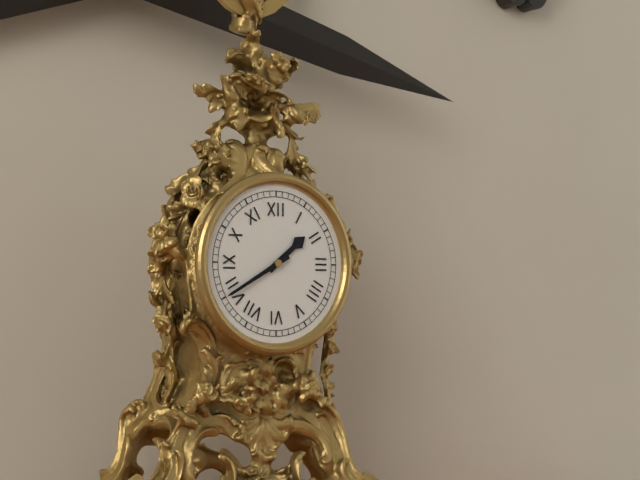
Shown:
1h40
